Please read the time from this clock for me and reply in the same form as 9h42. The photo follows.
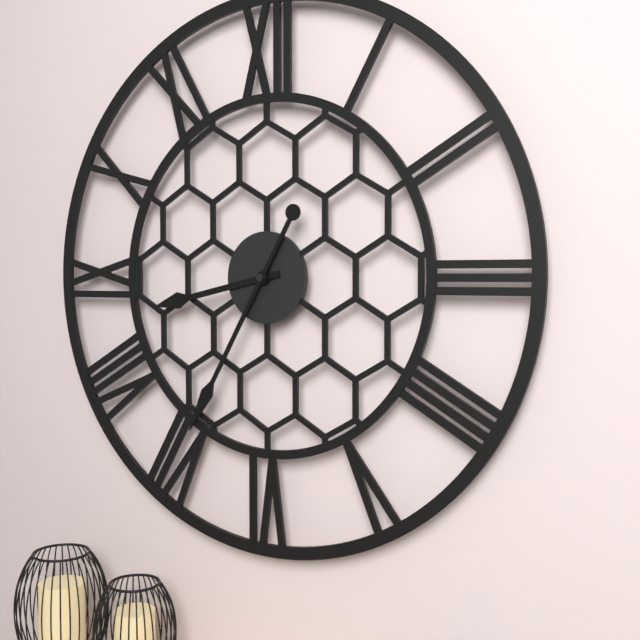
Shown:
8h35
